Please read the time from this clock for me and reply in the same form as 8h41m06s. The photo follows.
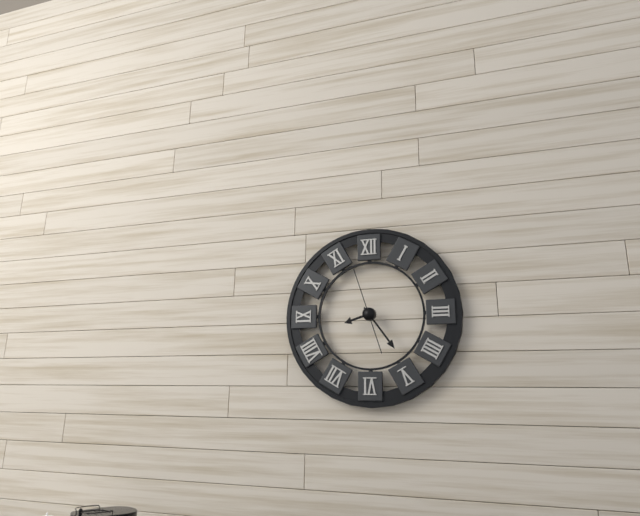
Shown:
8h24m57s
